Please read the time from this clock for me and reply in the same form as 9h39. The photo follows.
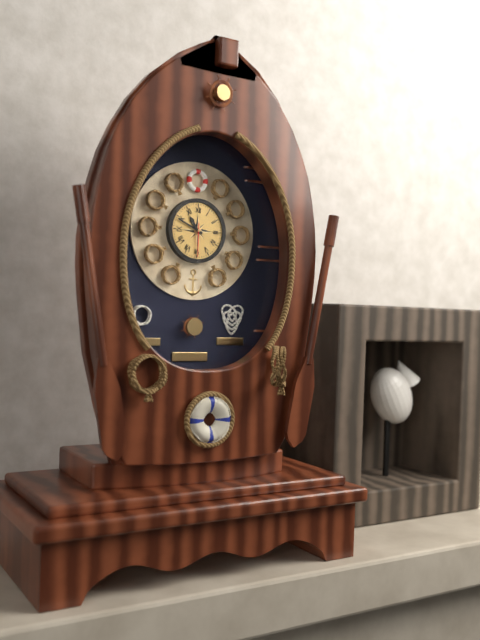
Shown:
10h49
